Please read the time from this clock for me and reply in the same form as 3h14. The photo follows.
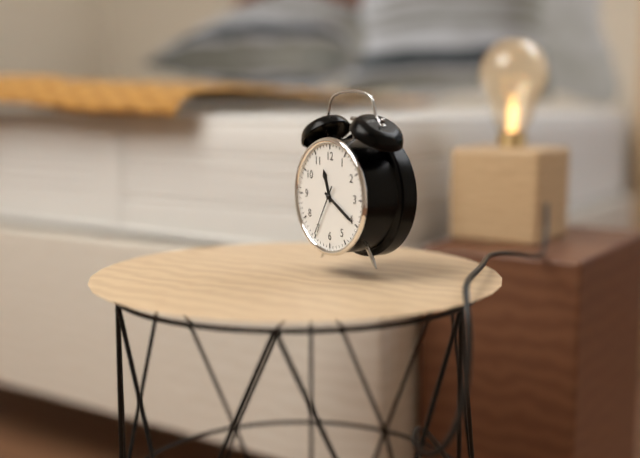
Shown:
11h20
